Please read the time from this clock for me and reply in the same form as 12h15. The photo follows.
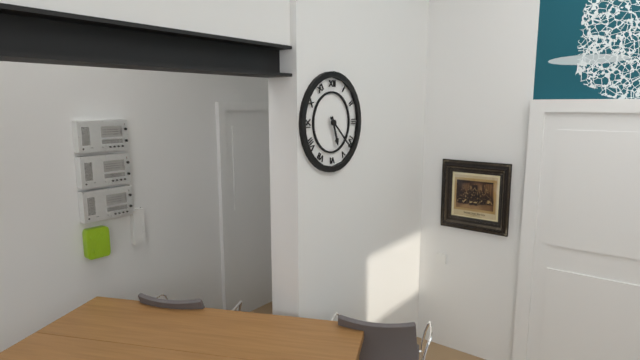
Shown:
5h22
